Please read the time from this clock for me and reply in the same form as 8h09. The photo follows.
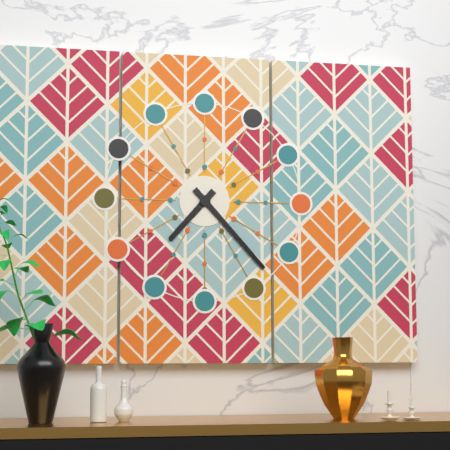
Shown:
7h23
